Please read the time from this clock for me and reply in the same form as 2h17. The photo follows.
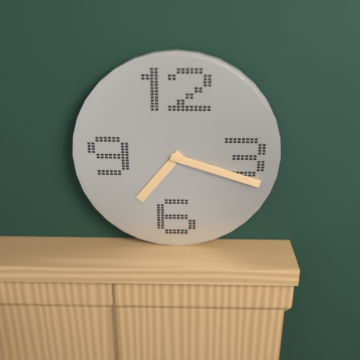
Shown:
7h18
